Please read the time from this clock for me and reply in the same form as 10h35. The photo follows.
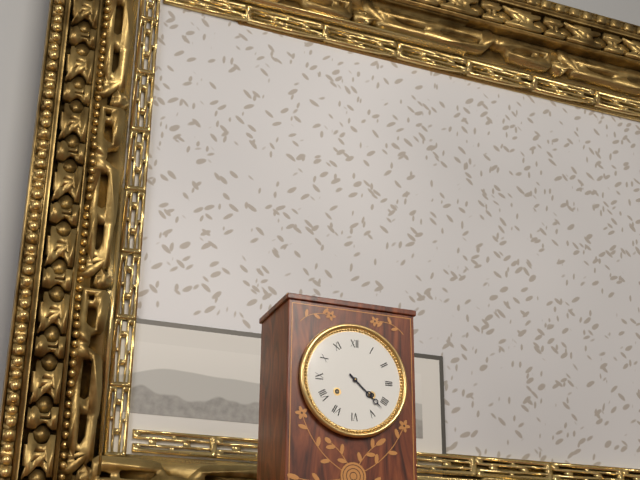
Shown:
4h22
